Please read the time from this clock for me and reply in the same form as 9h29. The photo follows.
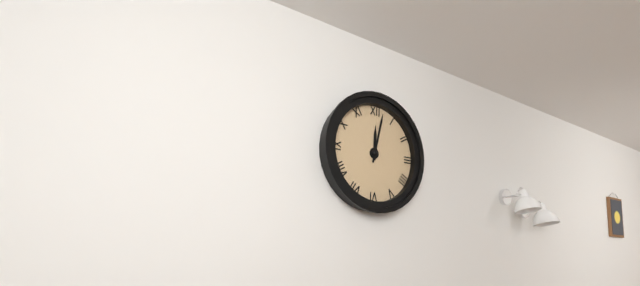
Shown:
12h02
